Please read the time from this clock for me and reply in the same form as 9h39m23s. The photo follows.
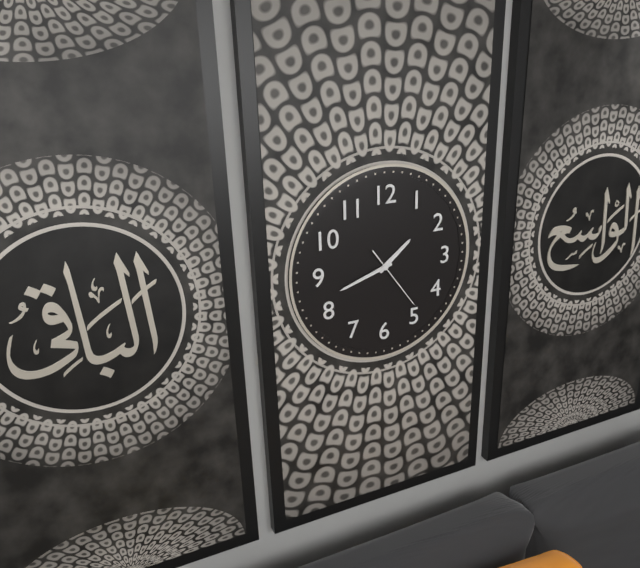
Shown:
1h42m24s
